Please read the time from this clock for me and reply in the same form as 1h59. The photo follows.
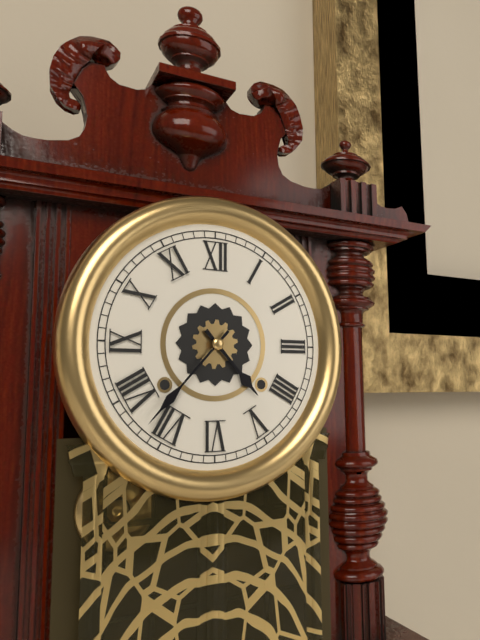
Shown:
4h37
